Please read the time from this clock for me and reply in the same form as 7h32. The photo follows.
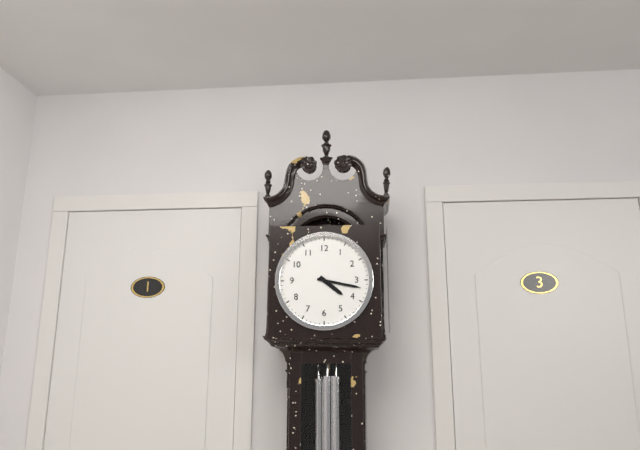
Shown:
4h17
